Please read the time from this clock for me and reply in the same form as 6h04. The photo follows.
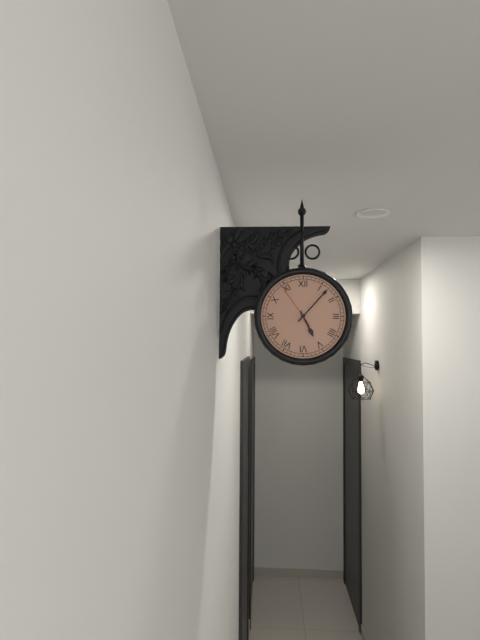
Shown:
5h07
